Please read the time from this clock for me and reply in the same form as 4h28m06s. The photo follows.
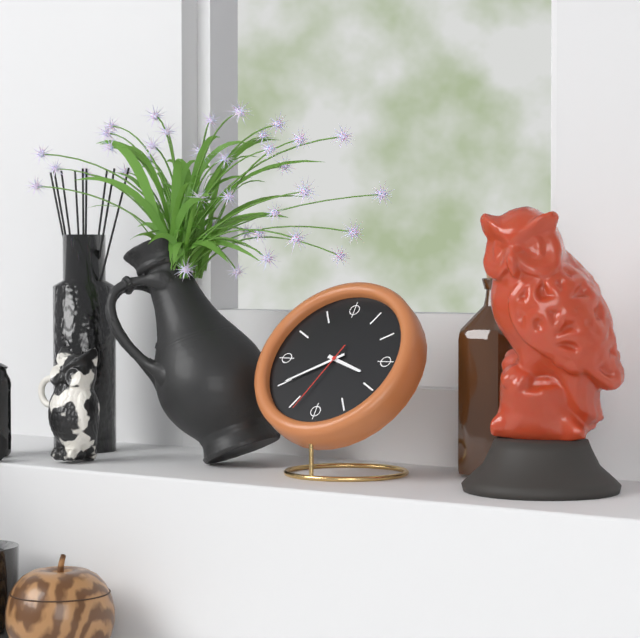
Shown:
3h40m34s
